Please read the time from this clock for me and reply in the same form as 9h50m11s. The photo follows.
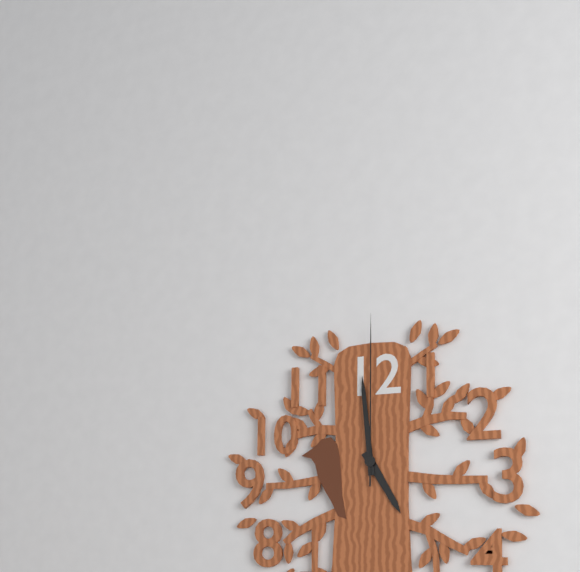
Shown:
4h59m00s
